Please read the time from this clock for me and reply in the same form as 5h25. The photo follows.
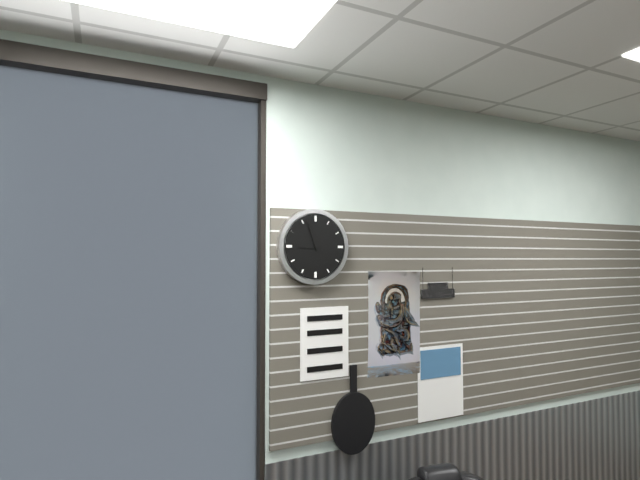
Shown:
8h57
